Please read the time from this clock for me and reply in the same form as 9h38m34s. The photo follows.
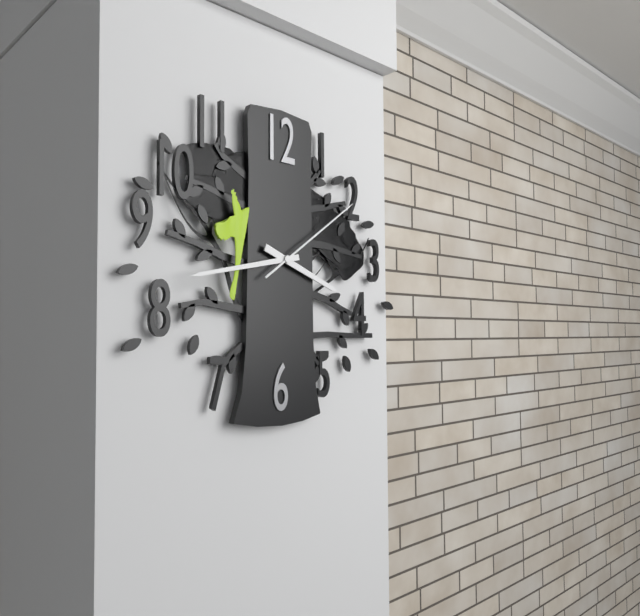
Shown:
3h43m09s
